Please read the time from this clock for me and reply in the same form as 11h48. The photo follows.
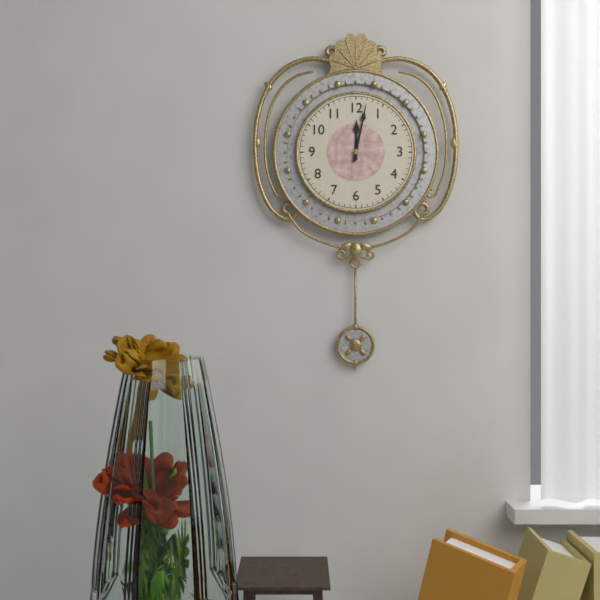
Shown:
12h02
